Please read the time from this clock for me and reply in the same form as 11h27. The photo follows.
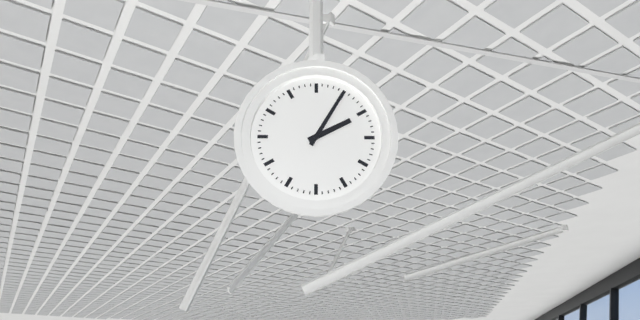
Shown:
2h05
